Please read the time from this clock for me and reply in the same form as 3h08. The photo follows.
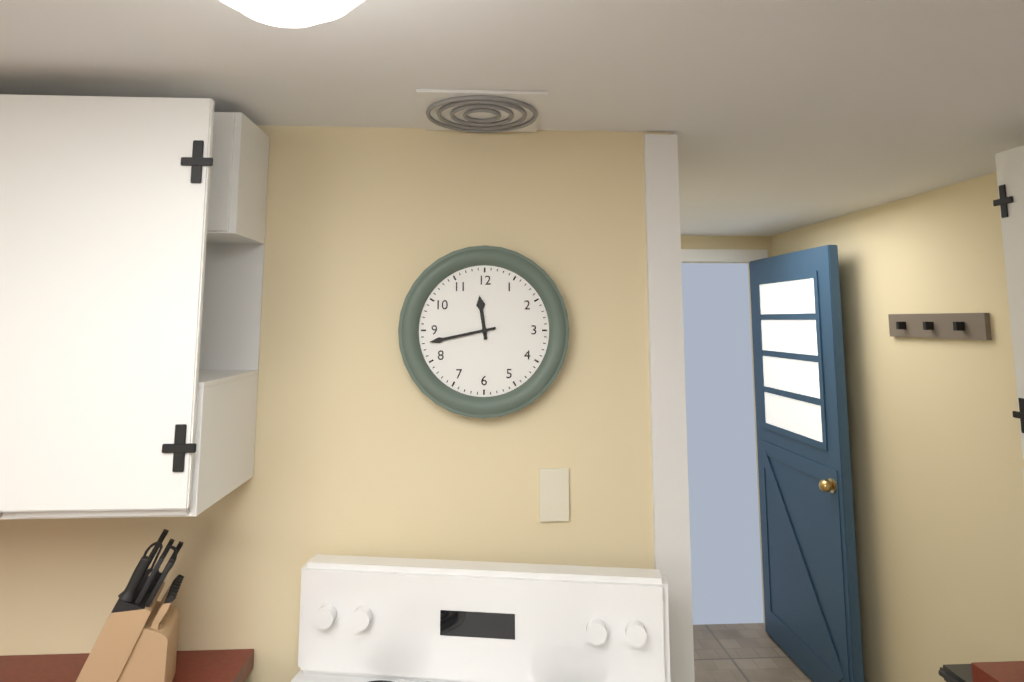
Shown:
11h43
